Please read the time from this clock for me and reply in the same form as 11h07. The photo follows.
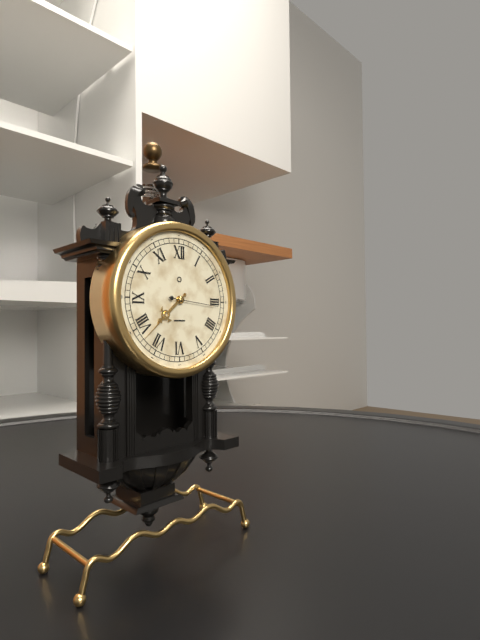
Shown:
7h38
